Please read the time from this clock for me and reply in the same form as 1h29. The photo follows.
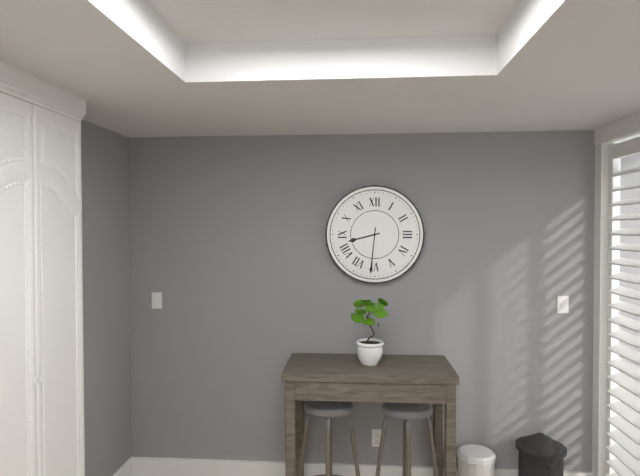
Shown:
8h31
